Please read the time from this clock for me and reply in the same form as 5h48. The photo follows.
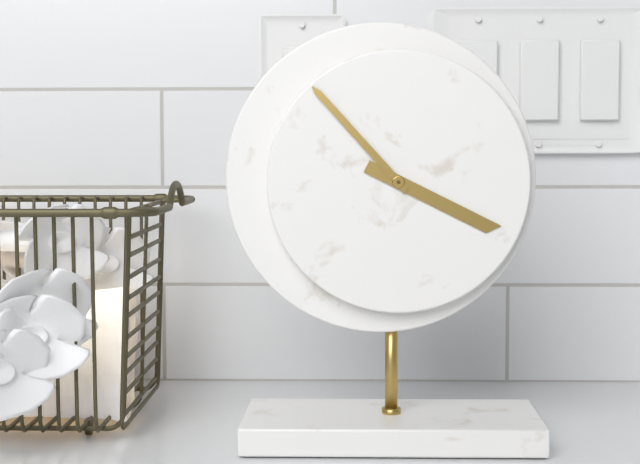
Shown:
3h53
